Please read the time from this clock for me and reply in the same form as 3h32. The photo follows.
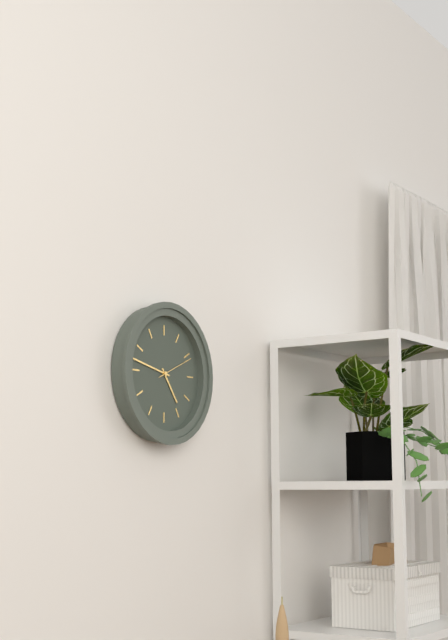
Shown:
4h47
